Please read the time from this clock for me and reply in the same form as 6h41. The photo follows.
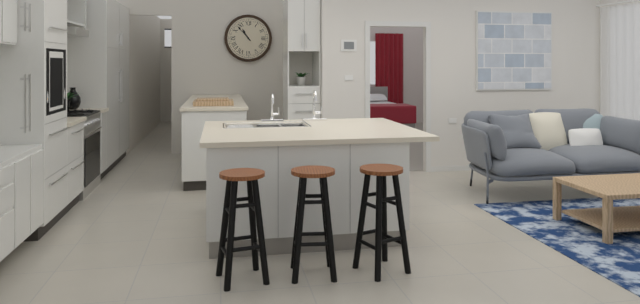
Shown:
10h53
